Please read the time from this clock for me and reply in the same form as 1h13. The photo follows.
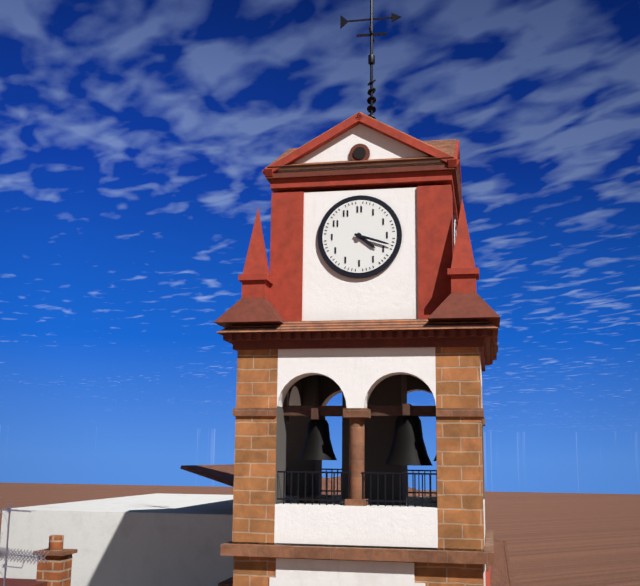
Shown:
4h18
